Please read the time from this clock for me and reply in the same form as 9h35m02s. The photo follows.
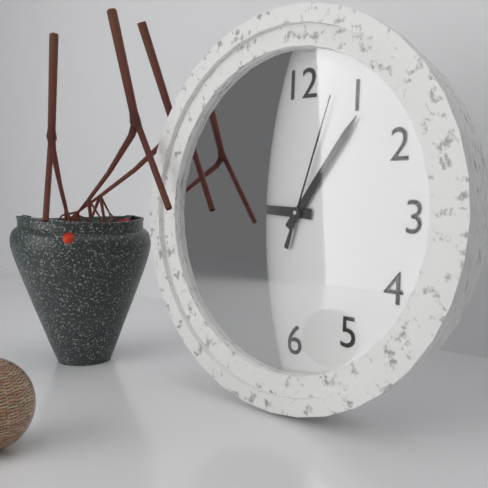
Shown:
9h06m03s
